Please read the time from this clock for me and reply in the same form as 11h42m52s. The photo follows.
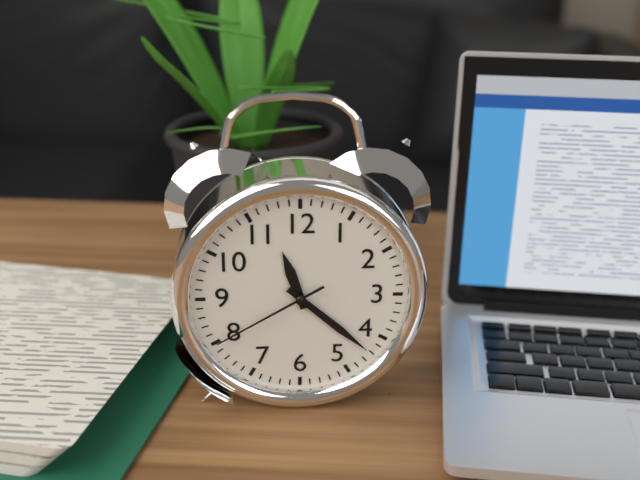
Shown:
11h22m40s
